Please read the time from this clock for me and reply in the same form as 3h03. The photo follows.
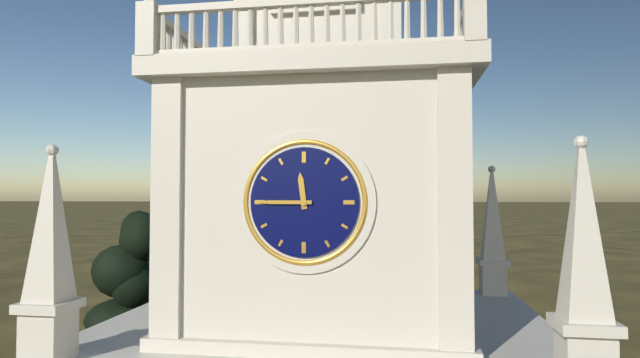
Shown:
11h45
